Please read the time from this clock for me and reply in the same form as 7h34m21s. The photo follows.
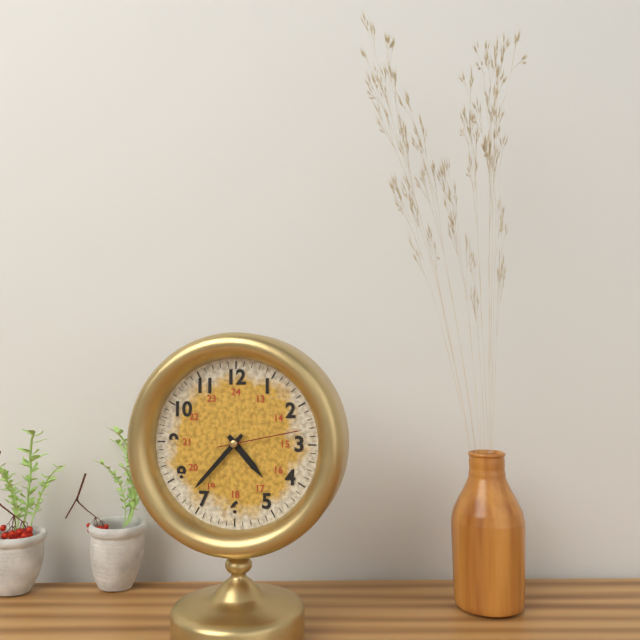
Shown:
4h37m13s
